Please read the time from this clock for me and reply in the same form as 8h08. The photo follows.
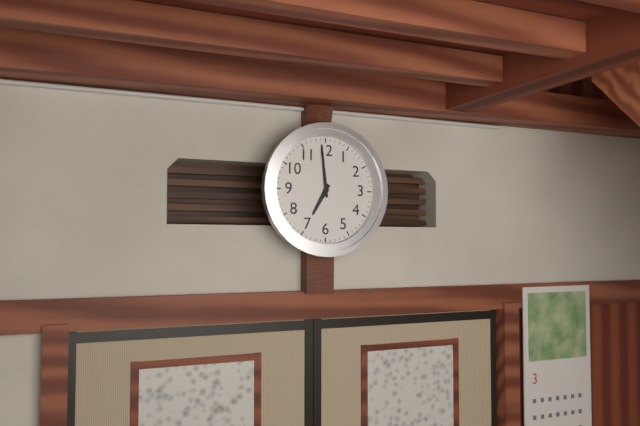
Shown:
6h59
